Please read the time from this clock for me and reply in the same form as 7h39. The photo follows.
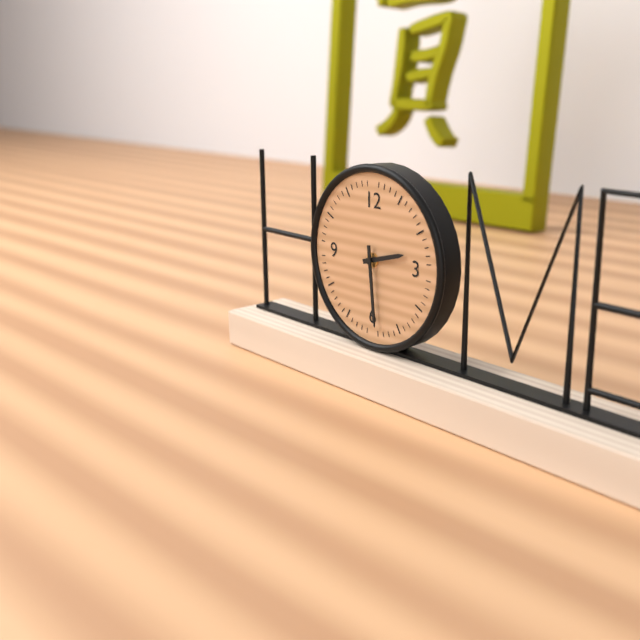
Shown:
2h29
